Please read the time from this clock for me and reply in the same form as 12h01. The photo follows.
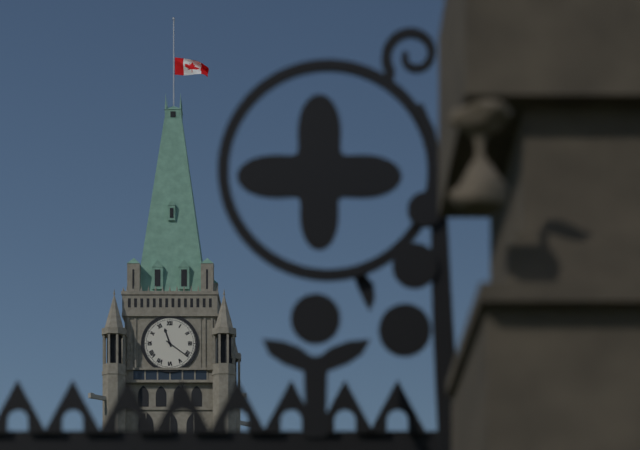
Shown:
11h21
